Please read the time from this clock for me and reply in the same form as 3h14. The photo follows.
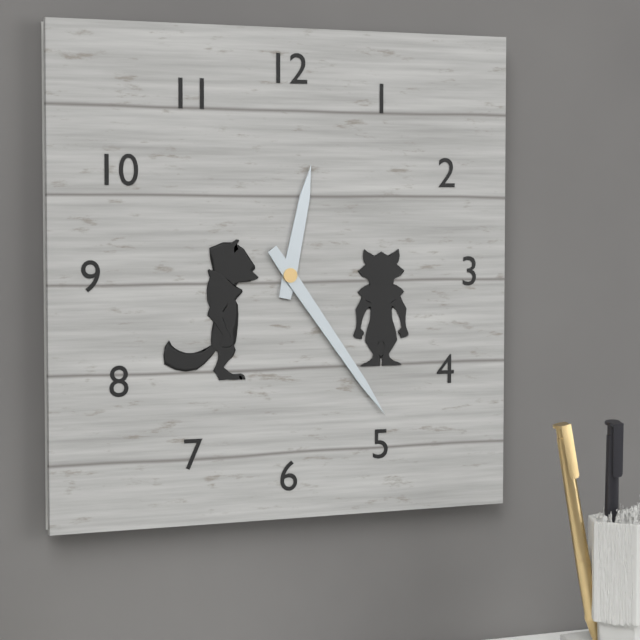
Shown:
12h24
